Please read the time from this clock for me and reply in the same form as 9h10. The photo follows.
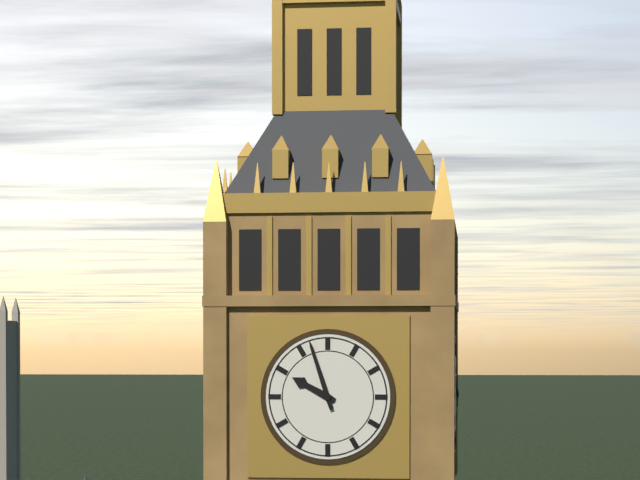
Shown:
9h57
